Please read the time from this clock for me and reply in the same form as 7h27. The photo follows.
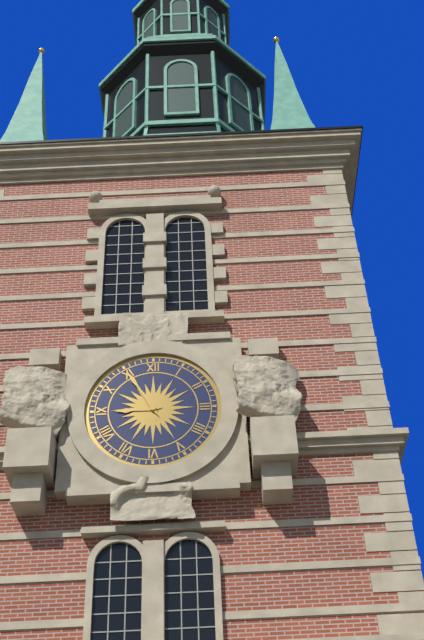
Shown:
8h55
